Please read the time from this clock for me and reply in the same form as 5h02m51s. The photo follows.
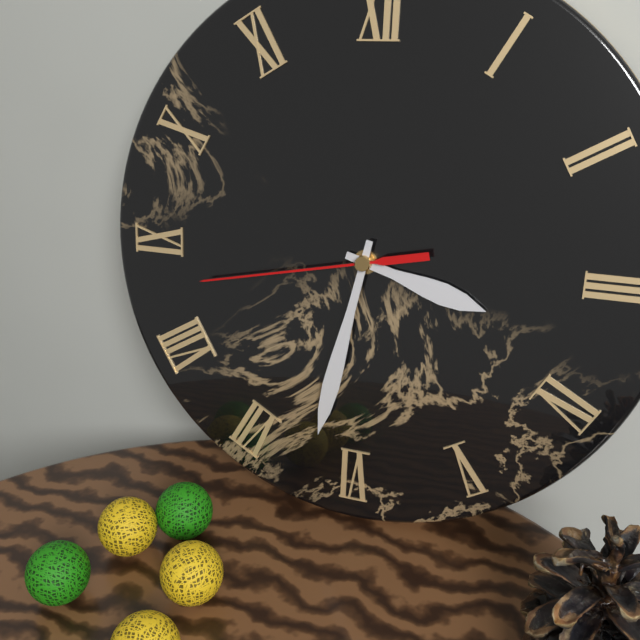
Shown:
3h32m43s
